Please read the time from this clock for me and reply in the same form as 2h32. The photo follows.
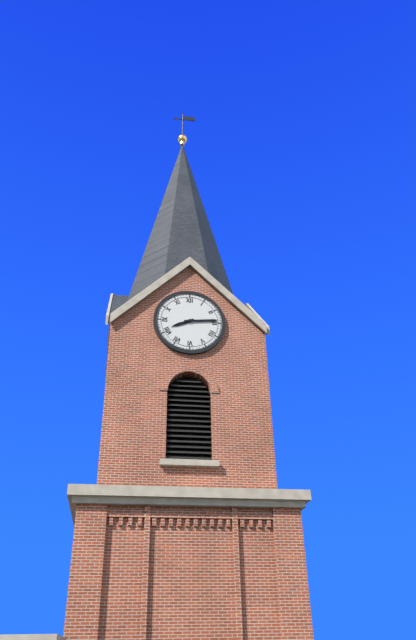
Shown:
8h14
